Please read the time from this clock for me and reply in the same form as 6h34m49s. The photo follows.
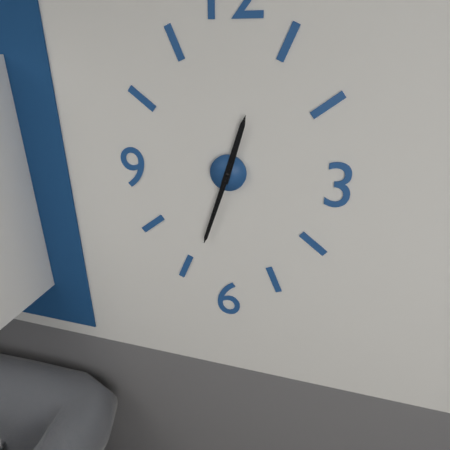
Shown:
12h33m33s
